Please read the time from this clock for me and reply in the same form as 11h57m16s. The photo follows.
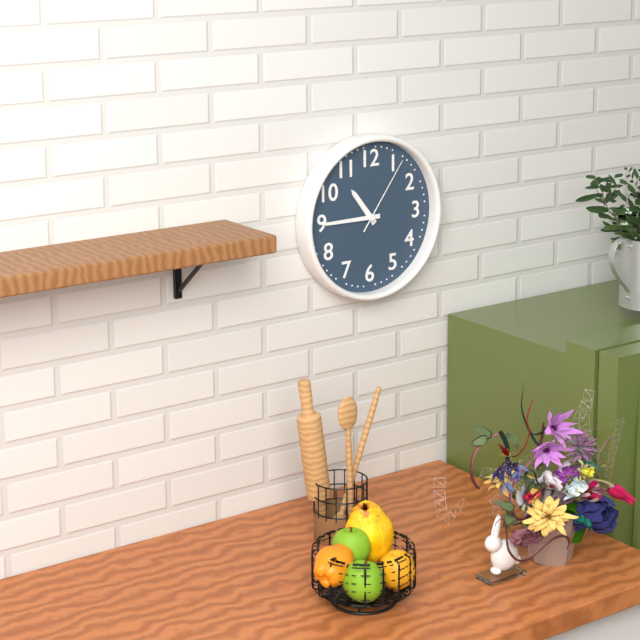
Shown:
10h45m06s
